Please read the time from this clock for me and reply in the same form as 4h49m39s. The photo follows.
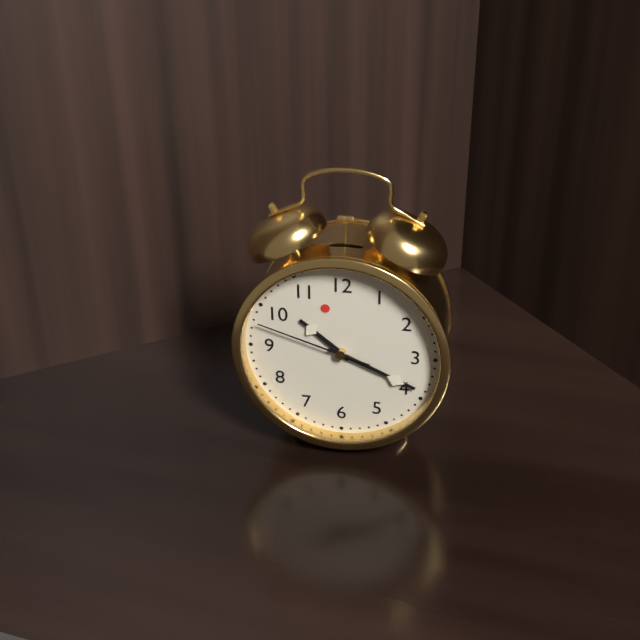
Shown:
10h19m48s
